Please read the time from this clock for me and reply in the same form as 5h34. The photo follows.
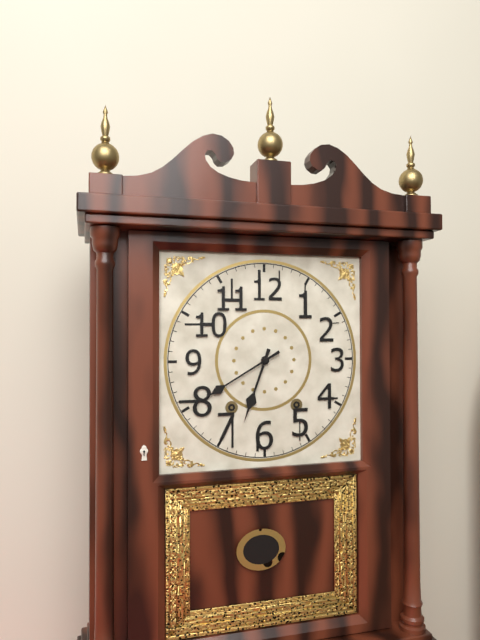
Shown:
6h40
